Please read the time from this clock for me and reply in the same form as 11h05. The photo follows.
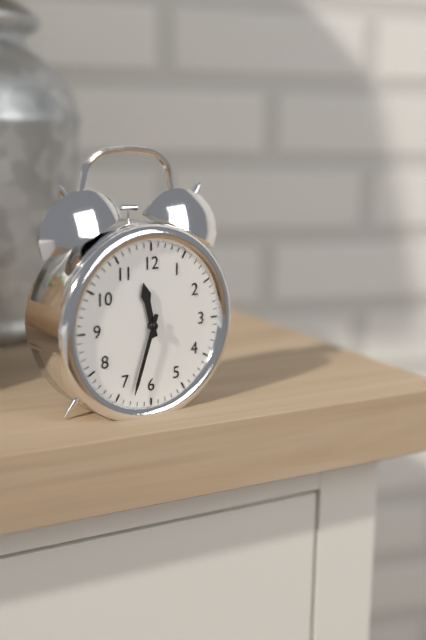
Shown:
11h33
